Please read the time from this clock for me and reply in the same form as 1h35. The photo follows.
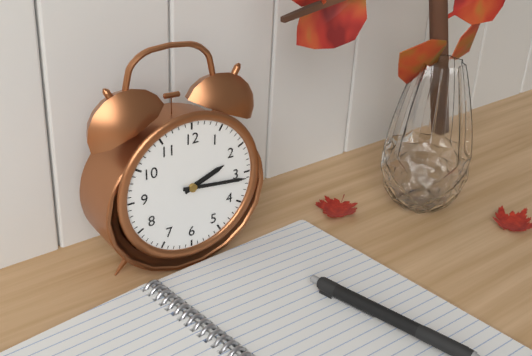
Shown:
2h16
